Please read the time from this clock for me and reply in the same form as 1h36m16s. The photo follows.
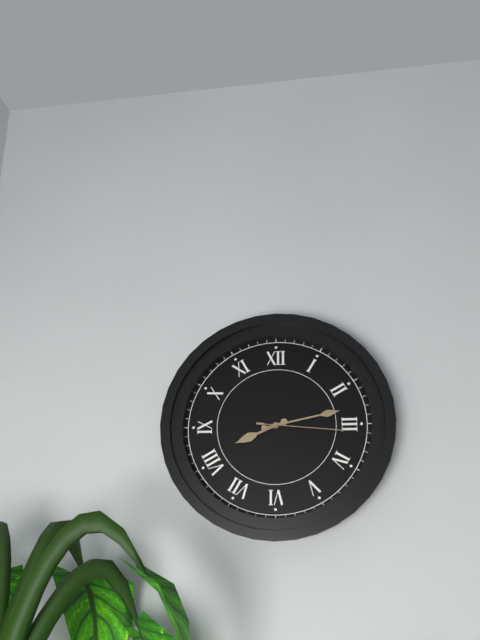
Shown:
8h13m16s
